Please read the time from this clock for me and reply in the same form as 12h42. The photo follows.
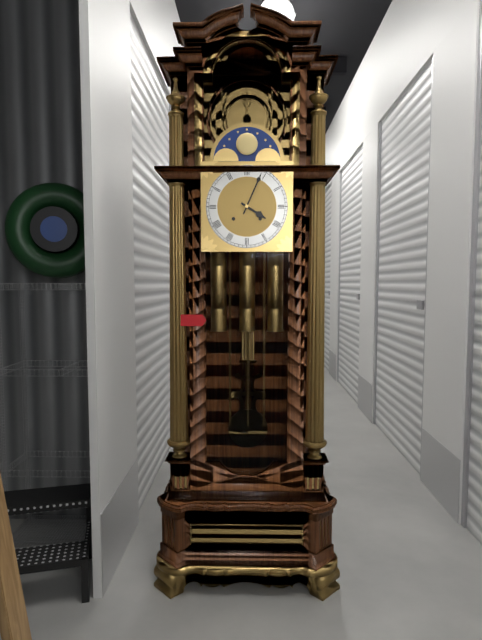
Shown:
4h04
